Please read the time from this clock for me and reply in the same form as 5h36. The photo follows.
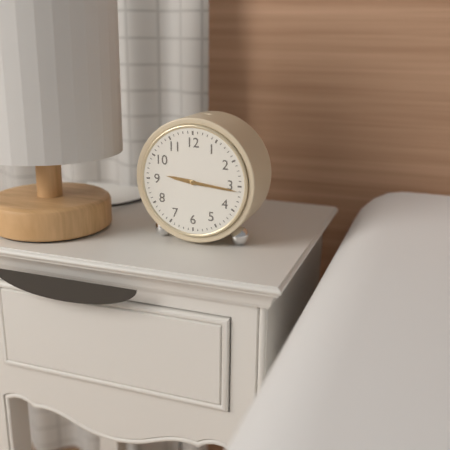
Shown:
9h16
